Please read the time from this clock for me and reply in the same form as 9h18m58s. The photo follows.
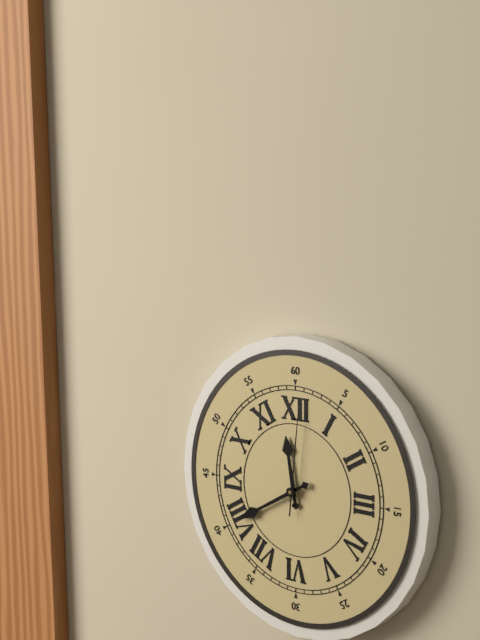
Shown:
11h40m01s
